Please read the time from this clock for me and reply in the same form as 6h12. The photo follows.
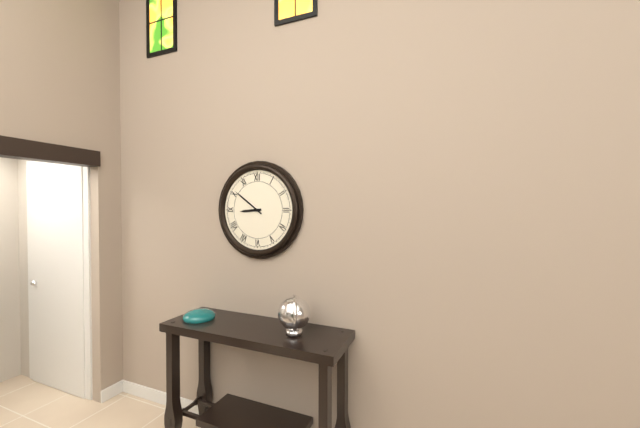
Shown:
8h51
